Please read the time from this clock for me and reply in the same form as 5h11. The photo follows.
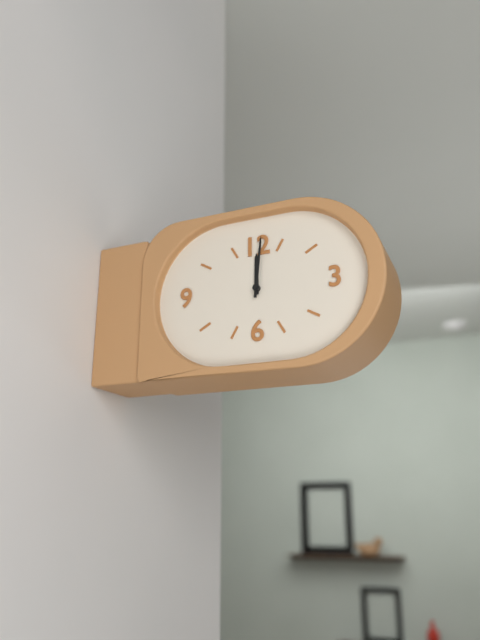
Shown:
12h01
